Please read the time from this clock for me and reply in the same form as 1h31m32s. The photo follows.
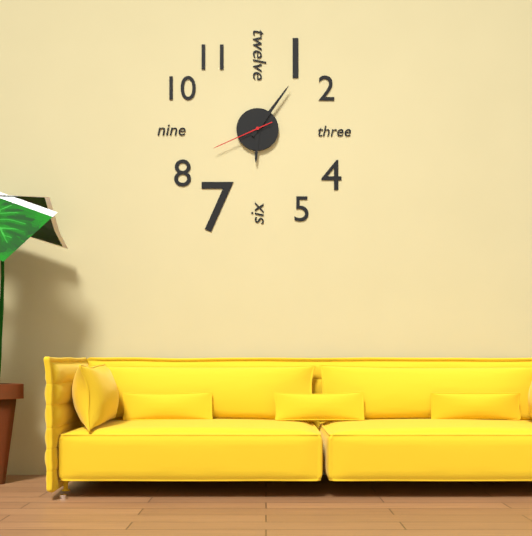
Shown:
6h06m41s
